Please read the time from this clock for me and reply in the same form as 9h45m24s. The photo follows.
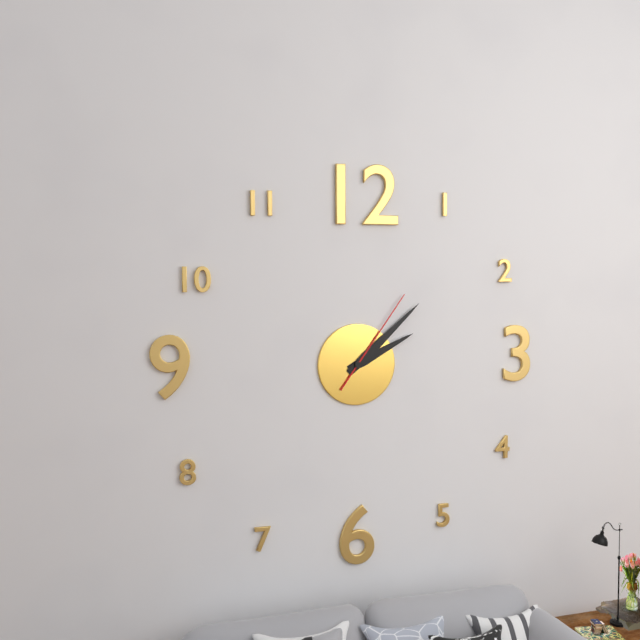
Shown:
2h08m06s
